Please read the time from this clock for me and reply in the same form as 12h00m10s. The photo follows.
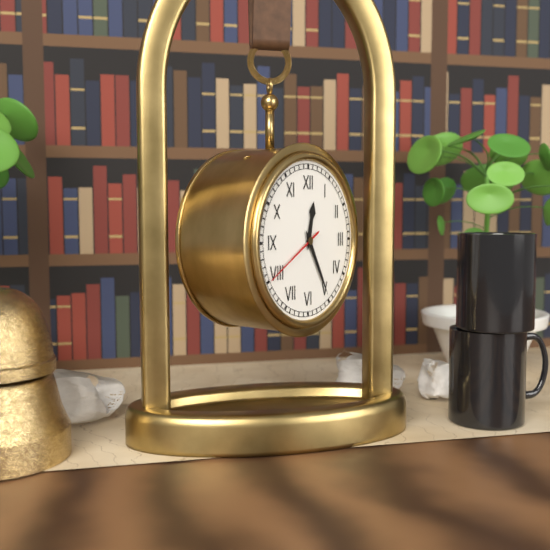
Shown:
12h25m40s
